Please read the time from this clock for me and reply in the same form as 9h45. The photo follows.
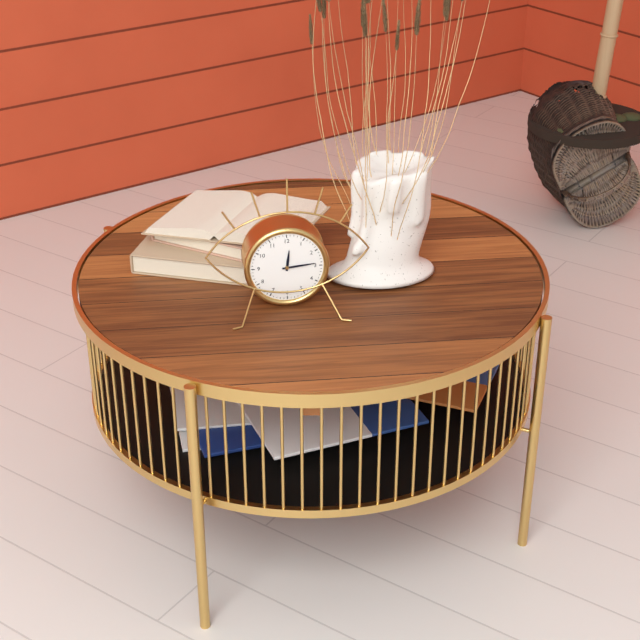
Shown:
12h14
